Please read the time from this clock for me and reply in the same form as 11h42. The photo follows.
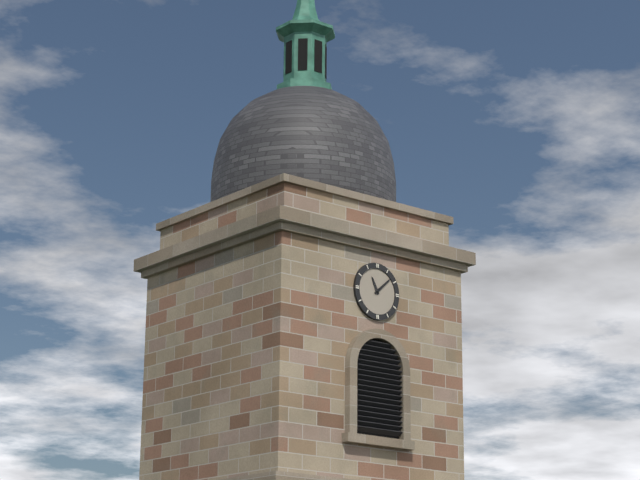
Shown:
11h08
